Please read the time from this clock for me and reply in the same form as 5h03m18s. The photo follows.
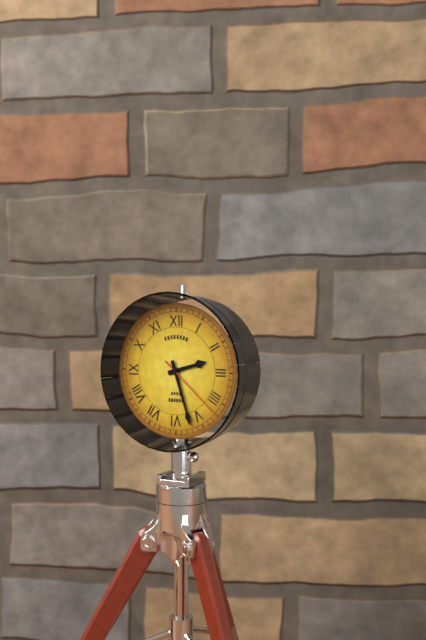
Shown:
2h27m22s
